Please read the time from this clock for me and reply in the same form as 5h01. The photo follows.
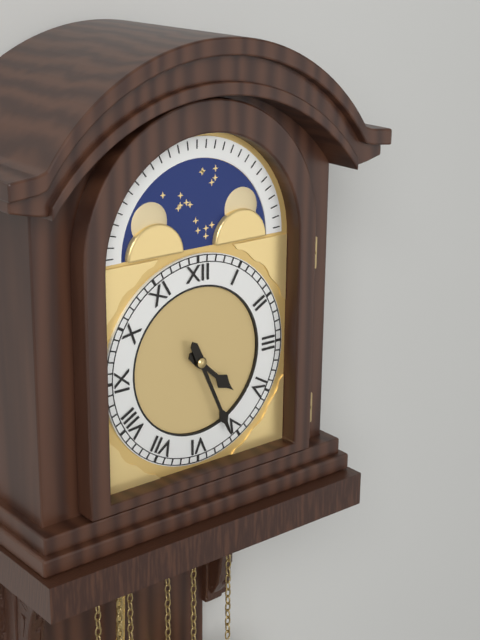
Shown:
4h26
